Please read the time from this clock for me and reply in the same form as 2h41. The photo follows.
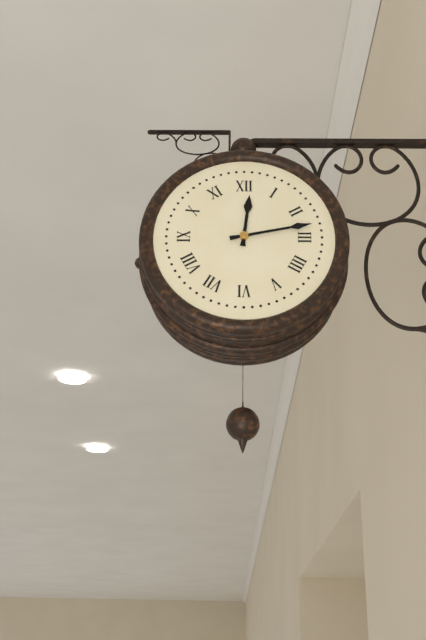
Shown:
12h13
